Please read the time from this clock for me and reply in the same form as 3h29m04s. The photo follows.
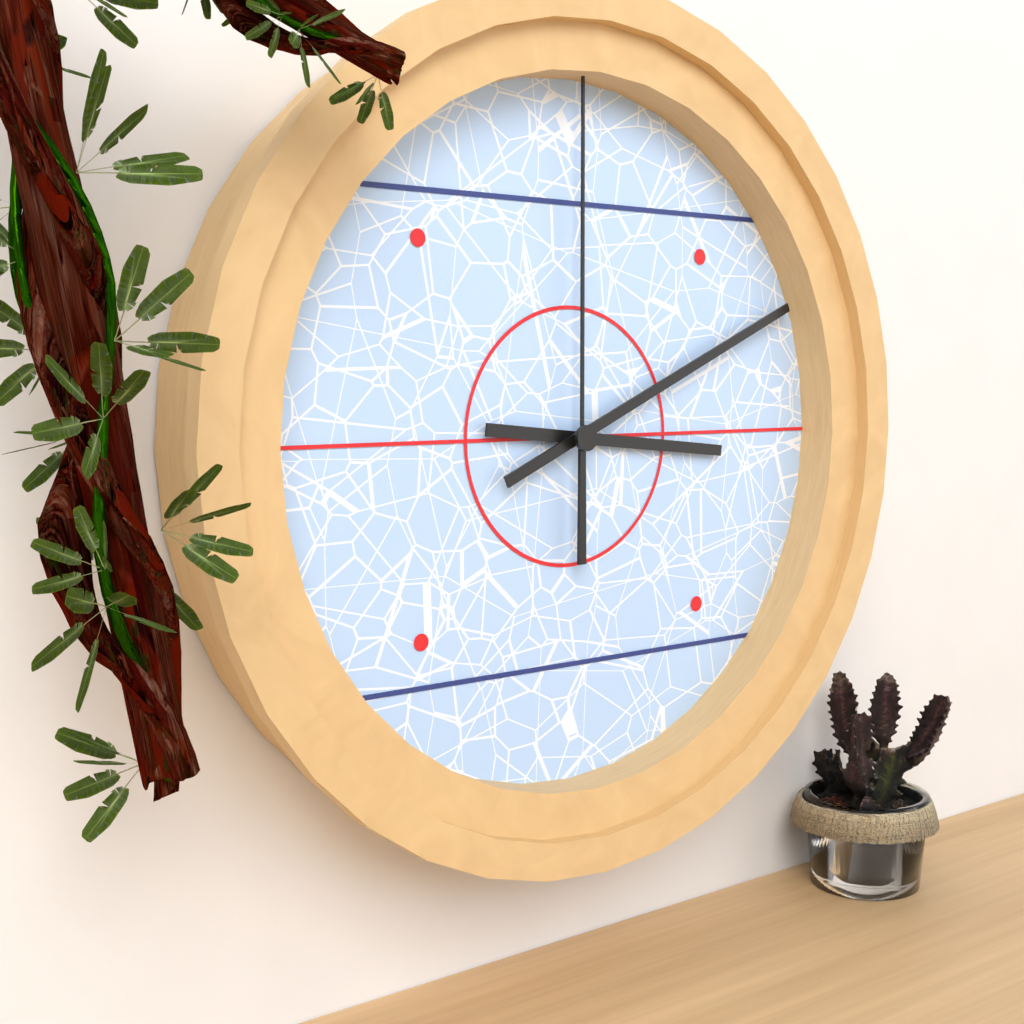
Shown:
3h11m00s
